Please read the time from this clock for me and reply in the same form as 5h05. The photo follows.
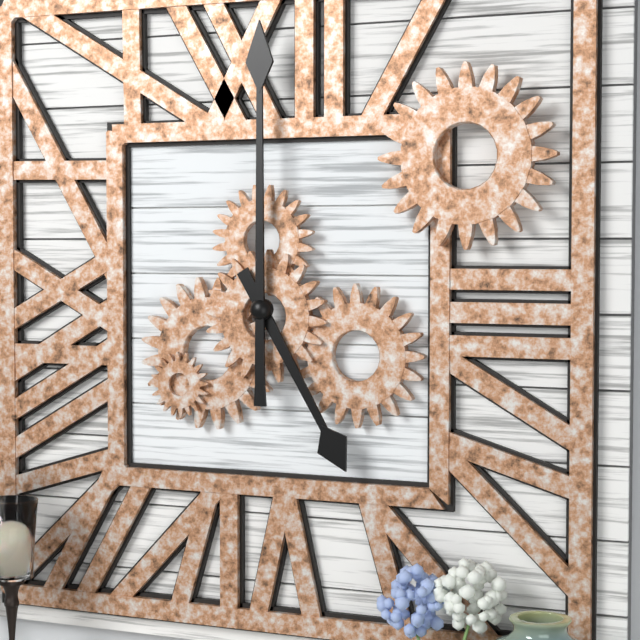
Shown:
5h00
